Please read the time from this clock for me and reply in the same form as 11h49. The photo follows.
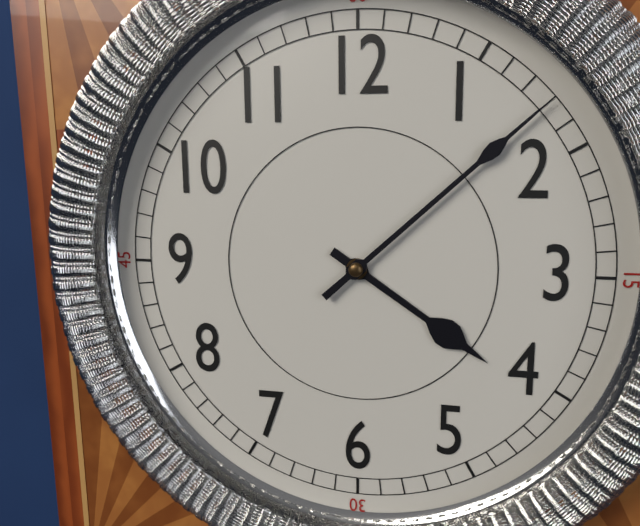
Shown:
4h08
